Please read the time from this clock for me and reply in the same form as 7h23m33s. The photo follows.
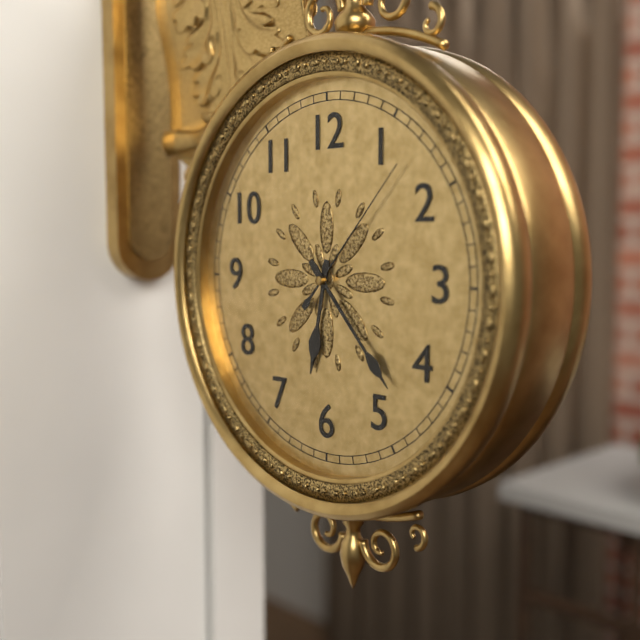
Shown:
6h23m07s
